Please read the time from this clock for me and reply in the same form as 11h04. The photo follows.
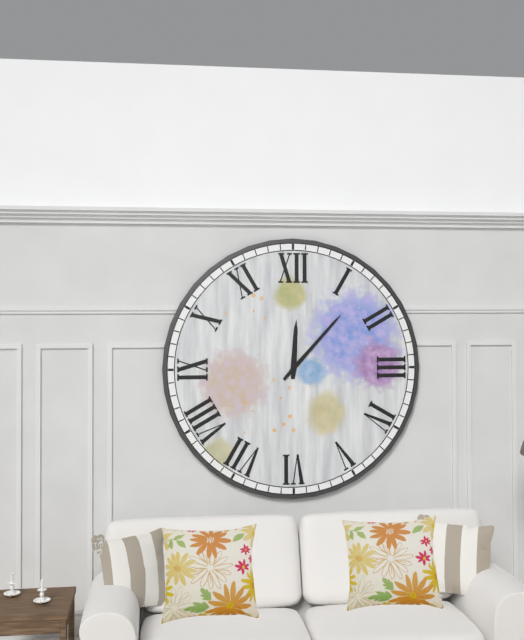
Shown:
12h07
